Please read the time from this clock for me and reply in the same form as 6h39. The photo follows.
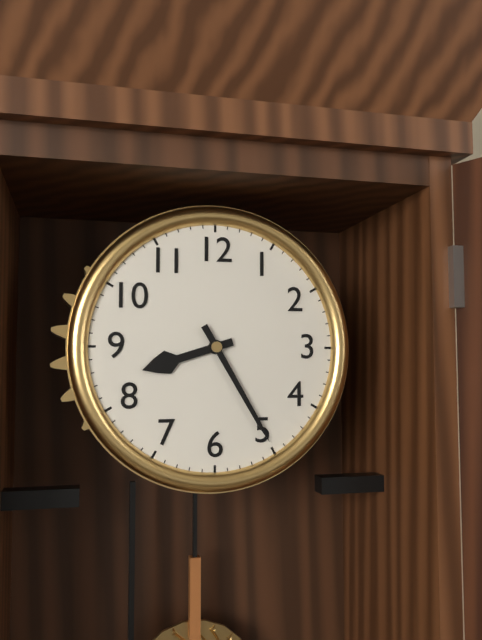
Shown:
8h25
